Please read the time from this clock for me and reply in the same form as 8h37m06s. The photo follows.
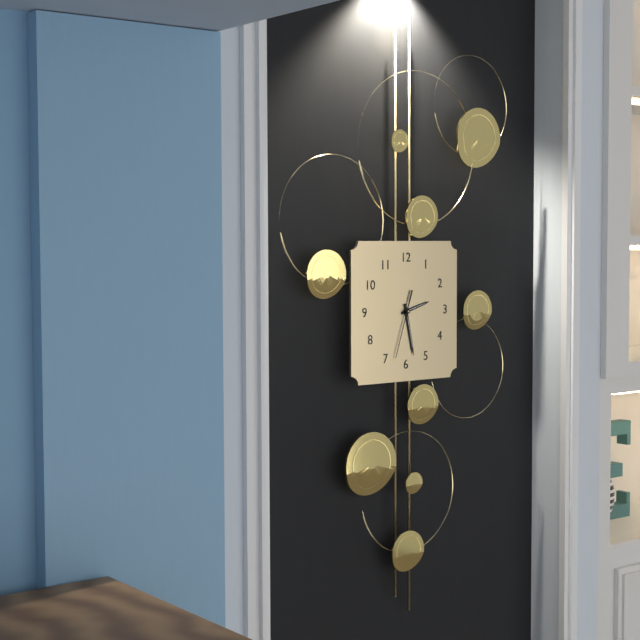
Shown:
2h28m33s
